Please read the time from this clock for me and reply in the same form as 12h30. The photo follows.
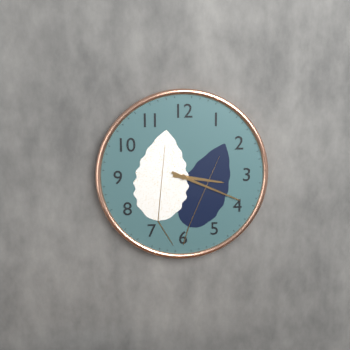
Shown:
3h19
